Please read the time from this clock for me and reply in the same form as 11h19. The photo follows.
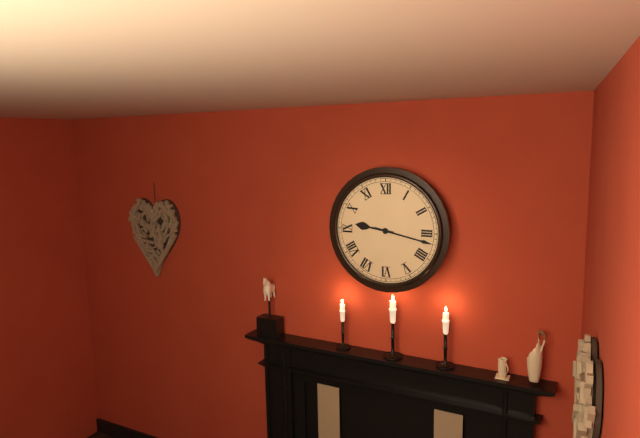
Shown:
9h17
